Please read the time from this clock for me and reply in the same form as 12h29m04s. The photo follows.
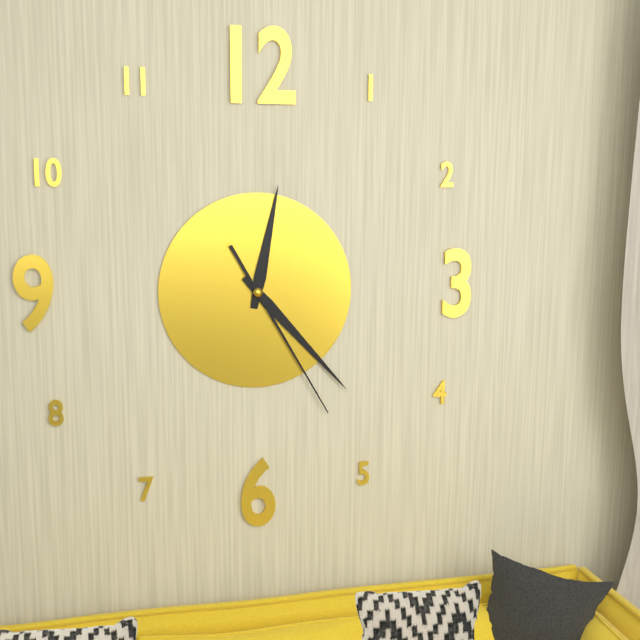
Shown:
12h23m25s
